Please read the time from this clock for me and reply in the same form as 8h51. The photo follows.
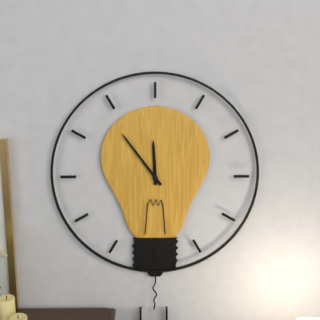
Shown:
11h54
